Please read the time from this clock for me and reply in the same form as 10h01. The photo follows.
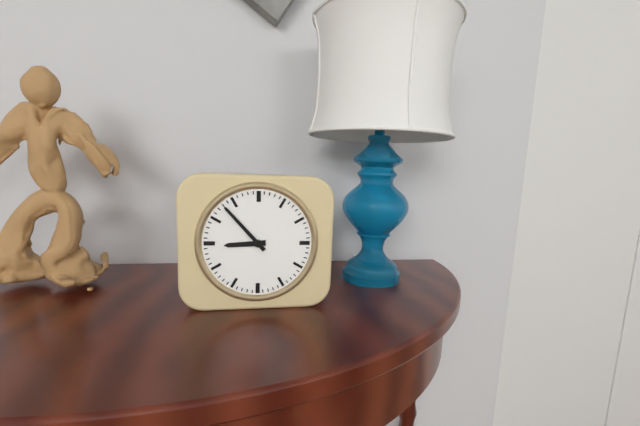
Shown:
8h53
